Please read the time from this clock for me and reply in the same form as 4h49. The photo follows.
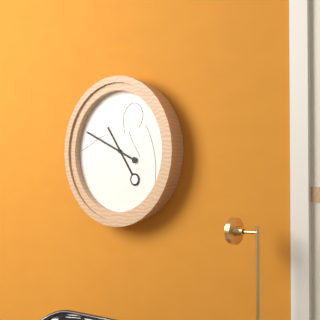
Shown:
10h49
